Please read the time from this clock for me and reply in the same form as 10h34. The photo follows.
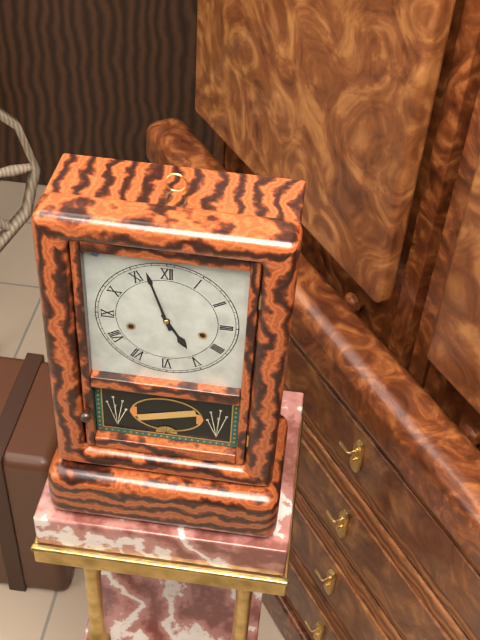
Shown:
4h57
